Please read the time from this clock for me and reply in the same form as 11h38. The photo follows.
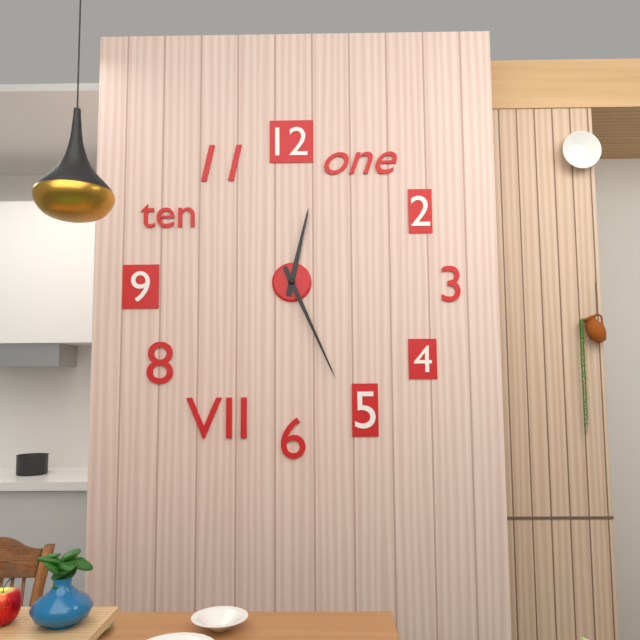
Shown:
12h26
